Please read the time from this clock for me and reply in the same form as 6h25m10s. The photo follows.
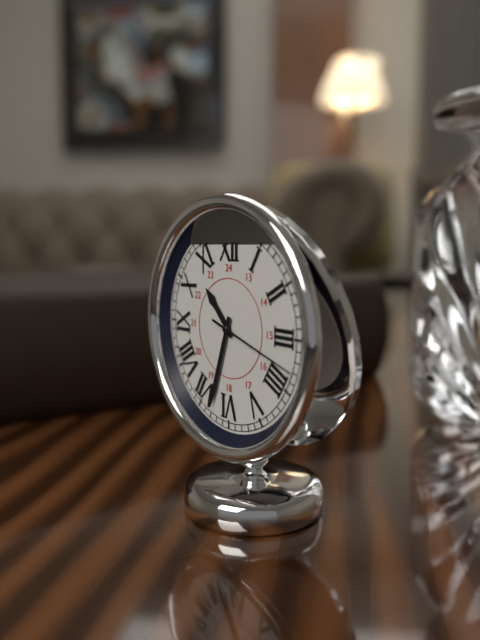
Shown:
10h33m18s
